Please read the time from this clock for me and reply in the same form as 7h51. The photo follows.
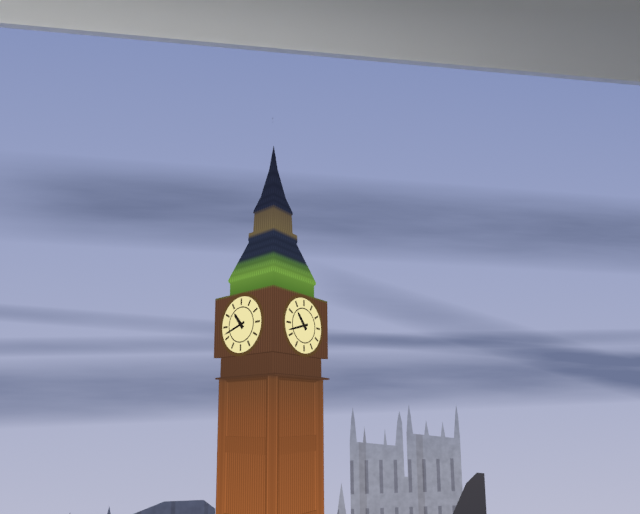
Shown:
10h42
